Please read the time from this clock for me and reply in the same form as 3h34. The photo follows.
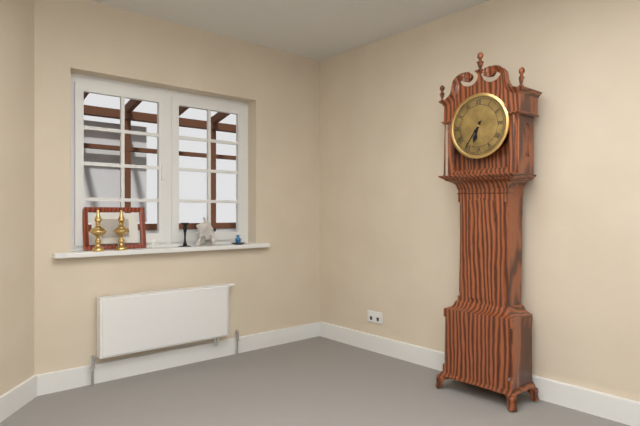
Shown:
6h36
